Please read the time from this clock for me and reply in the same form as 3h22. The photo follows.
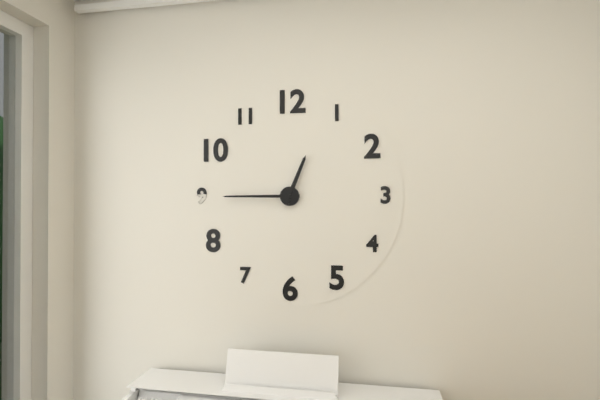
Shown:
12h45
